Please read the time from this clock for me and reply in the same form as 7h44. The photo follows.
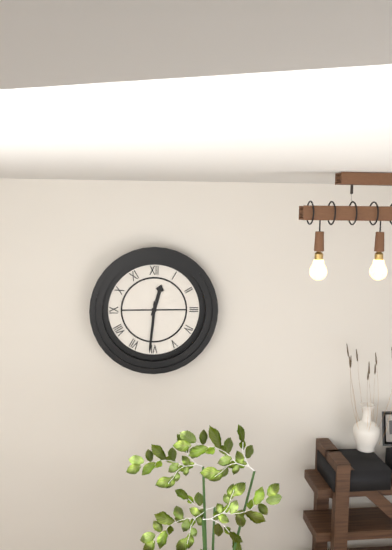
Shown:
12h31
